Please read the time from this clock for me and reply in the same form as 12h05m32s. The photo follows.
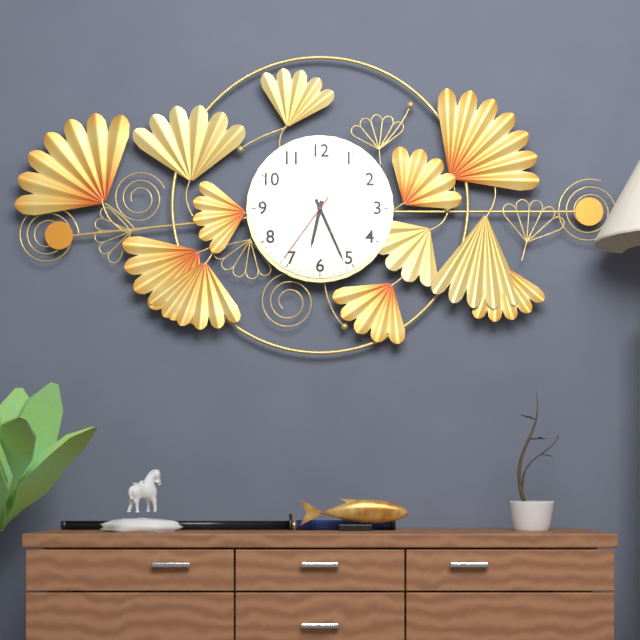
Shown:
6h26m36s
